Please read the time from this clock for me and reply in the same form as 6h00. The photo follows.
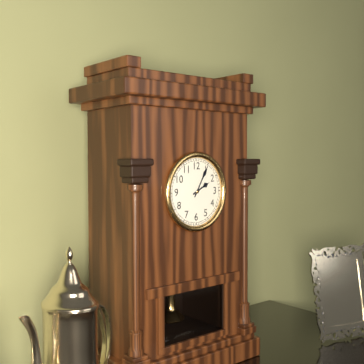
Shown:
2h05
